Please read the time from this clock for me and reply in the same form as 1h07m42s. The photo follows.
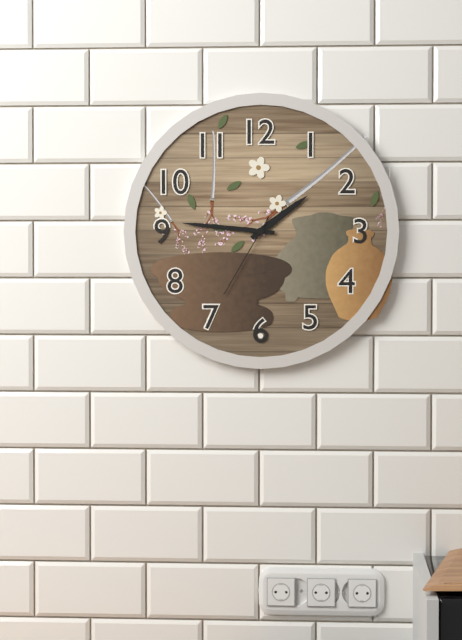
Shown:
1h46m35s
